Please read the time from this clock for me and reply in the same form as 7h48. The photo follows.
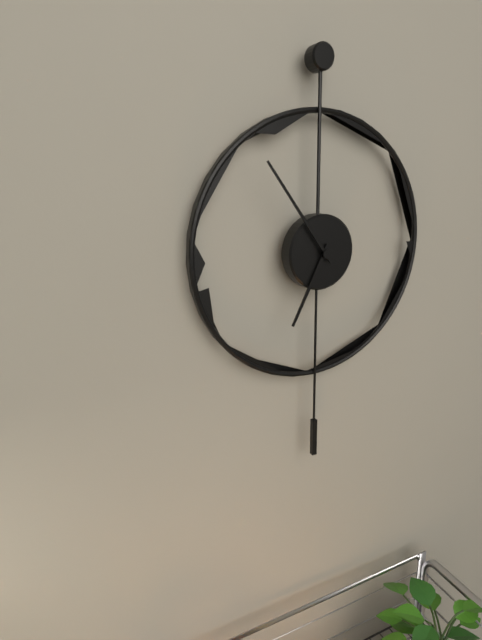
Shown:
6h54
